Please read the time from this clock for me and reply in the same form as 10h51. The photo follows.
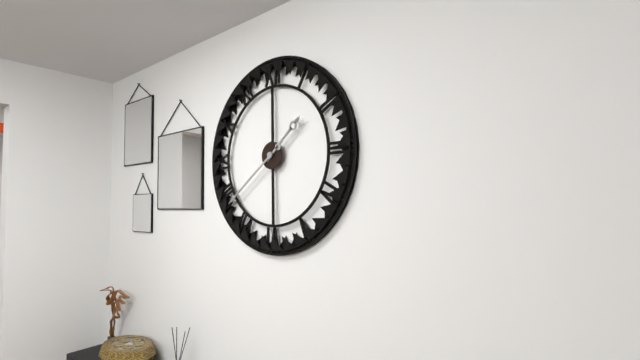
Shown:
1h39
